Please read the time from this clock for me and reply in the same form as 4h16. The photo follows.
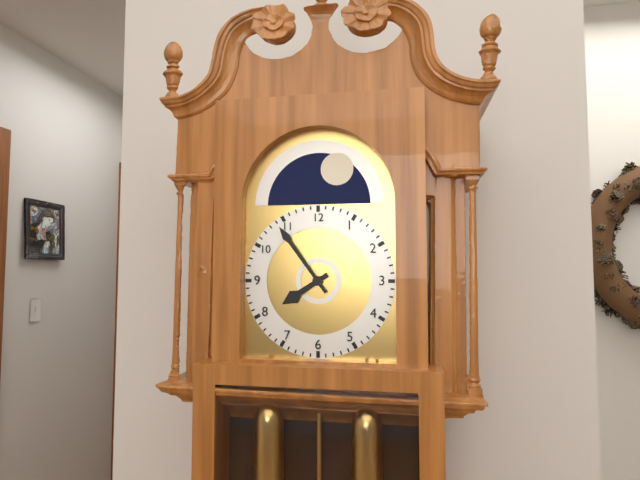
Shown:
7h54
